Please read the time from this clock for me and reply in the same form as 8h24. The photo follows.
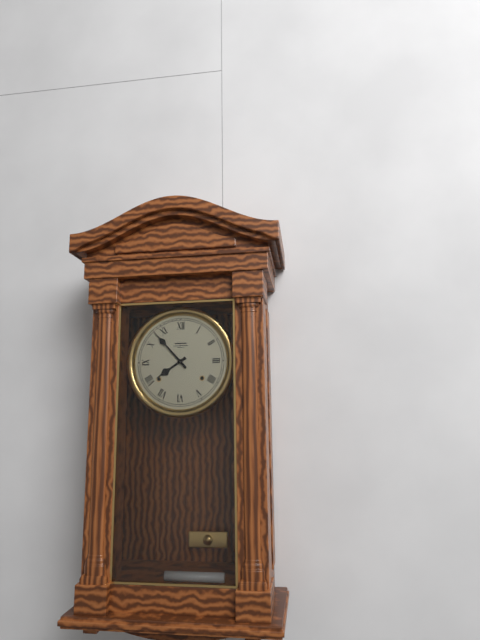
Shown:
7h53
